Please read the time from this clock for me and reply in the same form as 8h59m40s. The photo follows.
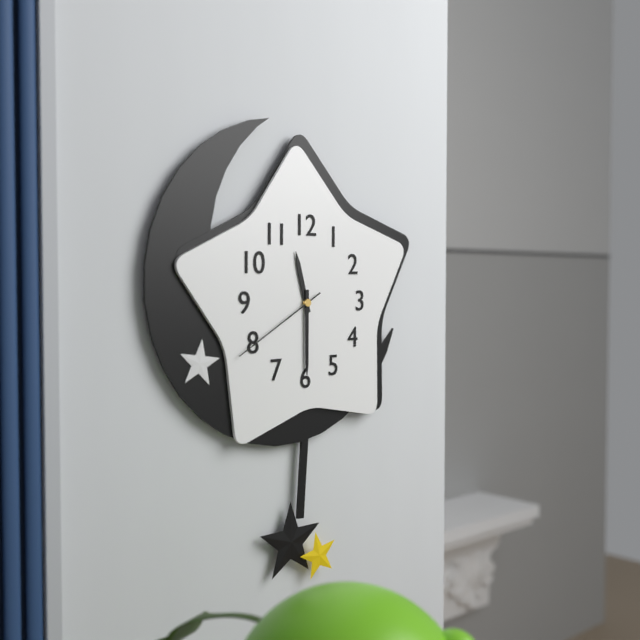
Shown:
11h30m40s
